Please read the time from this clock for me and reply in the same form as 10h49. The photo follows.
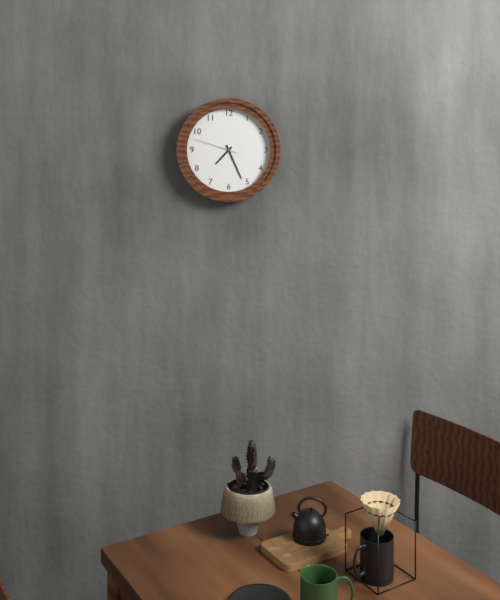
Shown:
7h26
